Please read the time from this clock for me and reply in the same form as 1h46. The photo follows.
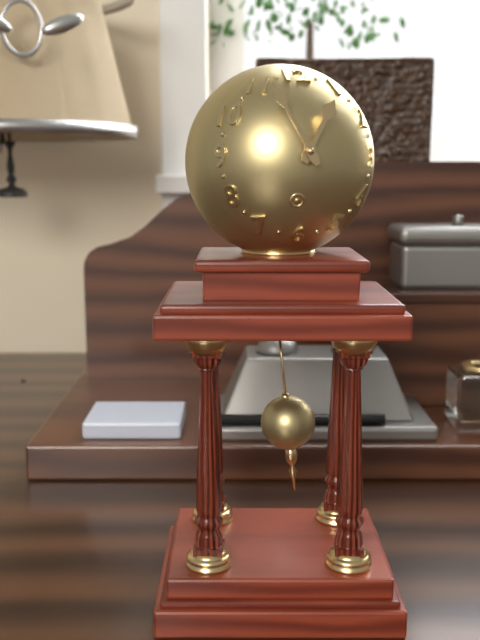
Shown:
12h55
